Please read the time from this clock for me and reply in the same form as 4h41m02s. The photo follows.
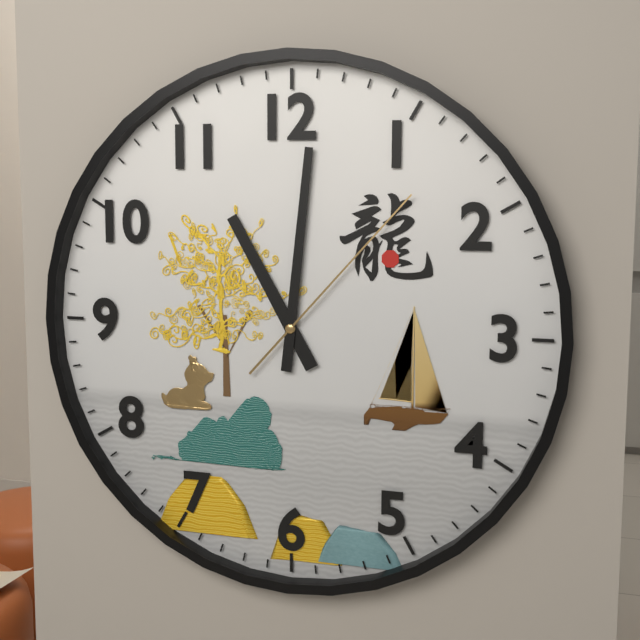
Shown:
11h01m07s
